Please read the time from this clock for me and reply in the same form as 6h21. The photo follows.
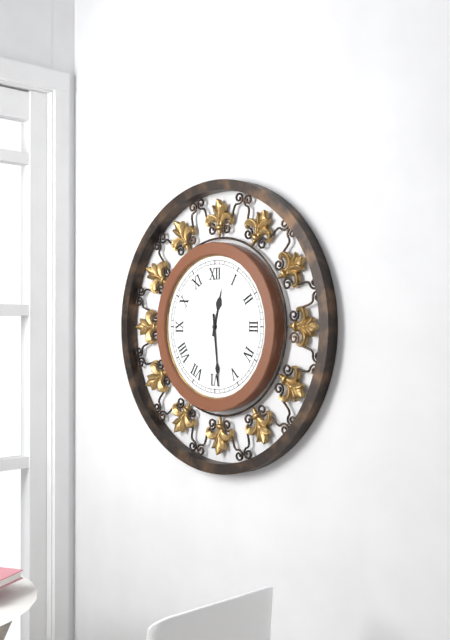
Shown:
12h29
